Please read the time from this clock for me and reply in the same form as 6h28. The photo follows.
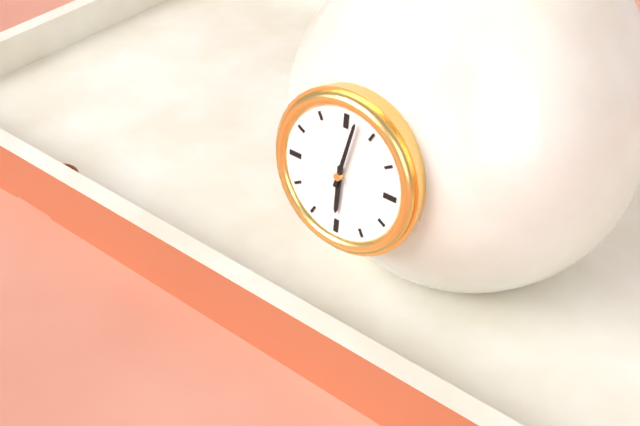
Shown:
6h02
